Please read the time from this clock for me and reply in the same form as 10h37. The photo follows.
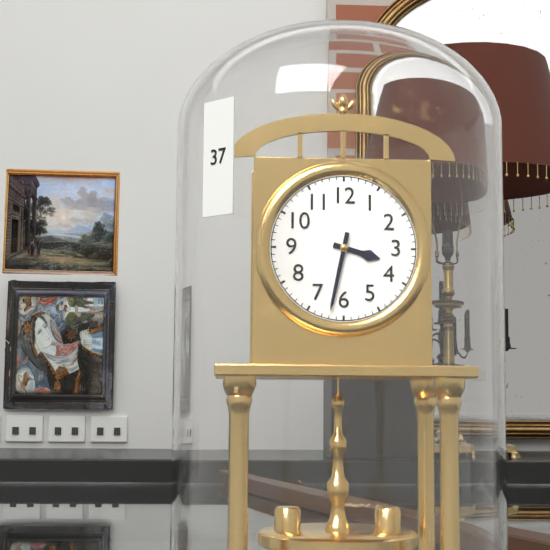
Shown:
3h32
